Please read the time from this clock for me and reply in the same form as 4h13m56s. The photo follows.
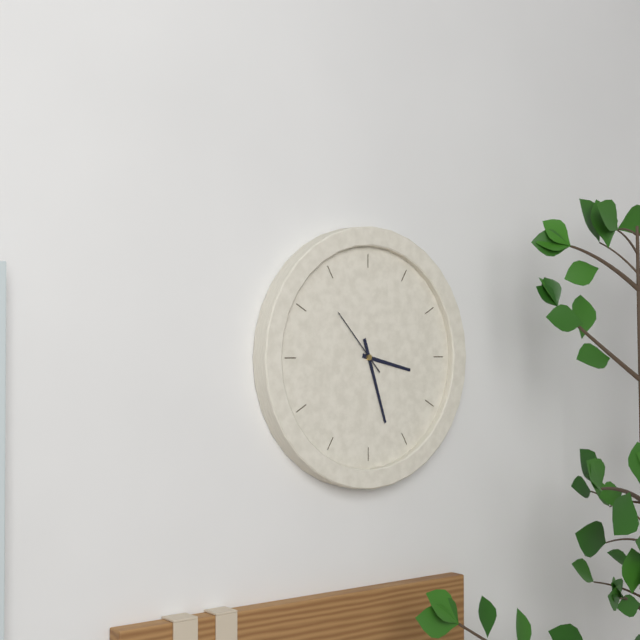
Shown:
3h27m53s
